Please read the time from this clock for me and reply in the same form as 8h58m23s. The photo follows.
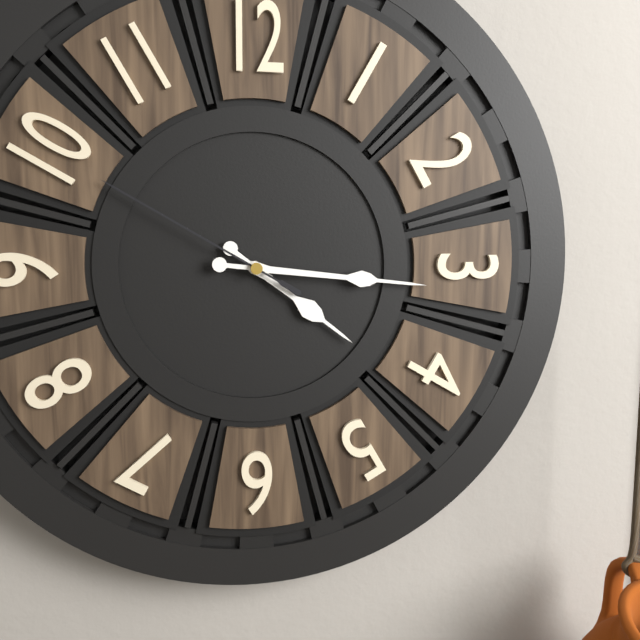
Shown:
4h16m50s
